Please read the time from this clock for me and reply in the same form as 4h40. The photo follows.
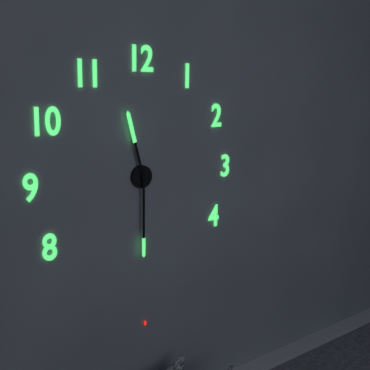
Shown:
11h30
